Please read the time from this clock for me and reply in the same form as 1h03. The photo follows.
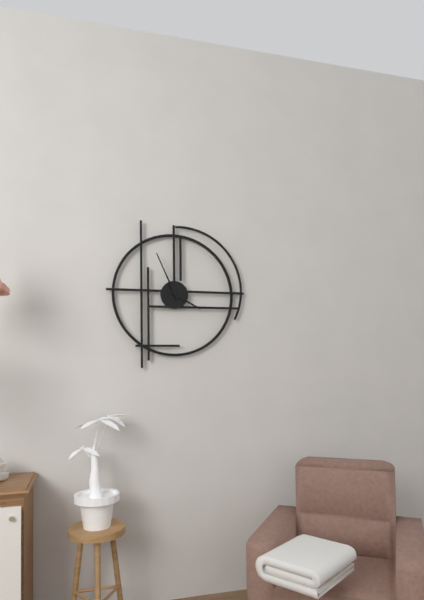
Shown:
3h56
